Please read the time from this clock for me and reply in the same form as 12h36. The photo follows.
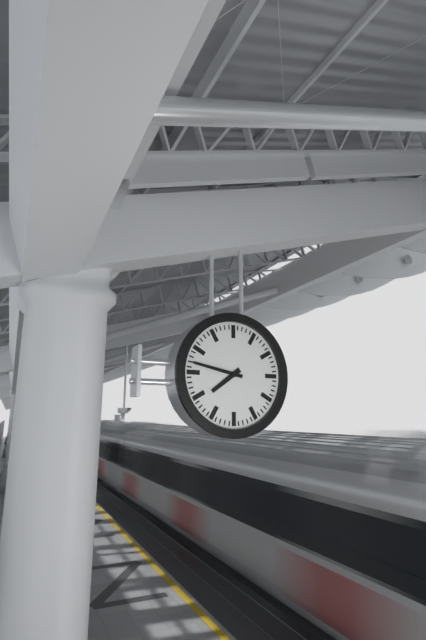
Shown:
7h47
